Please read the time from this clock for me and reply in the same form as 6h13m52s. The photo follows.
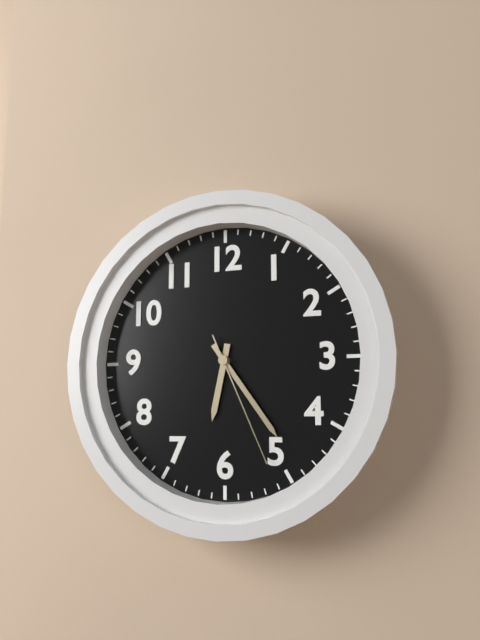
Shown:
6h24m26s
